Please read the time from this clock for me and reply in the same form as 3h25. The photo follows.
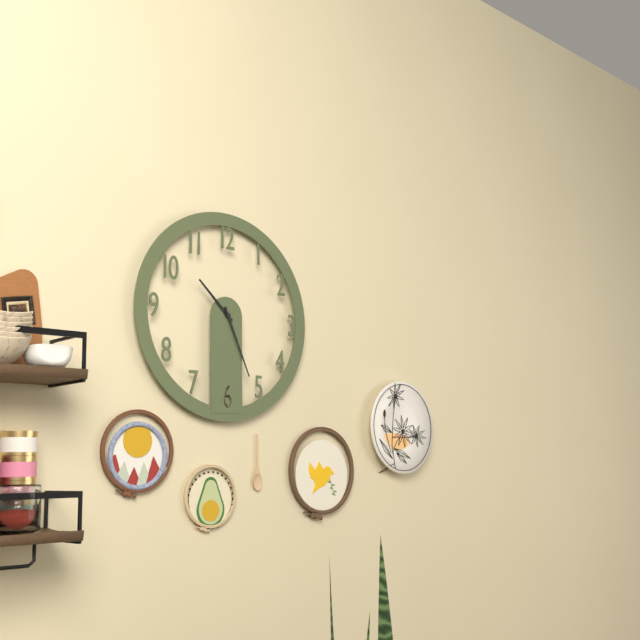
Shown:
10h26
